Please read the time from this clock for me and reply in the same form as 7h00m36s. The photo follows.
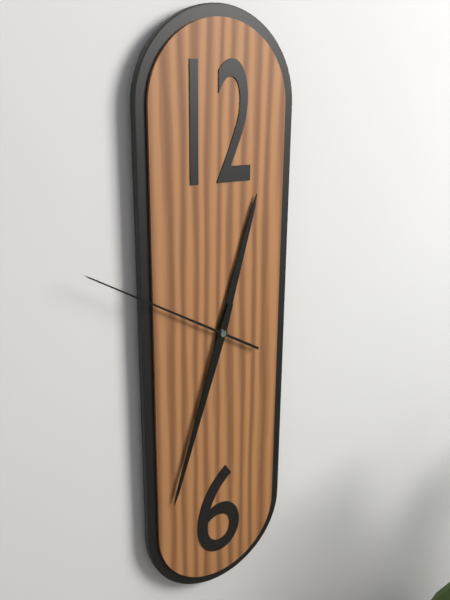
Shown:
12h33m50s
